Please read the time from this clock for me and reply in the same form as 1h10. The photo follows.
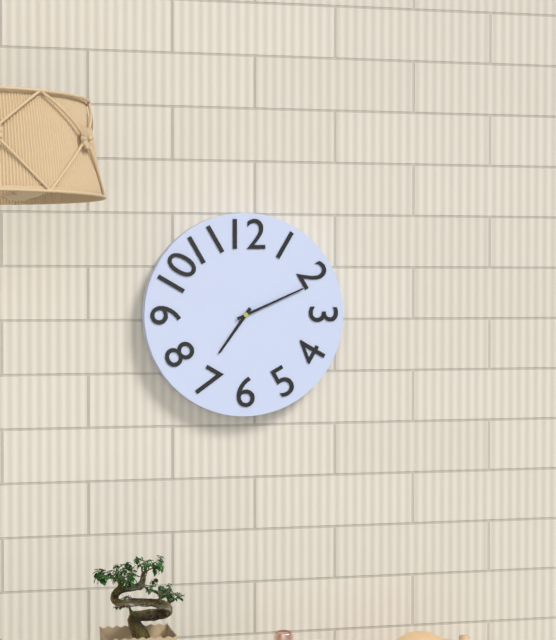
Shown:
7h11
